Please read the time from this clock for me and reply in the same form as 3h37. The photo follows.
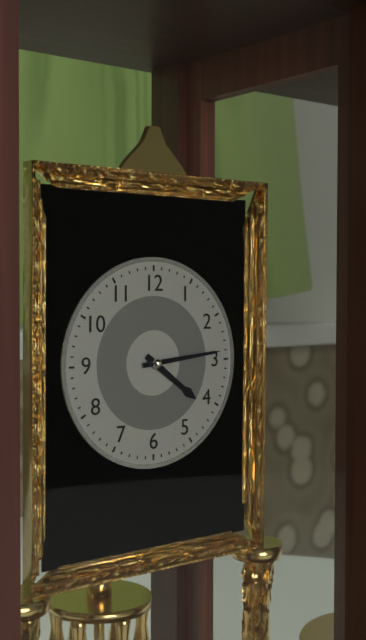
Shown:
4h14
